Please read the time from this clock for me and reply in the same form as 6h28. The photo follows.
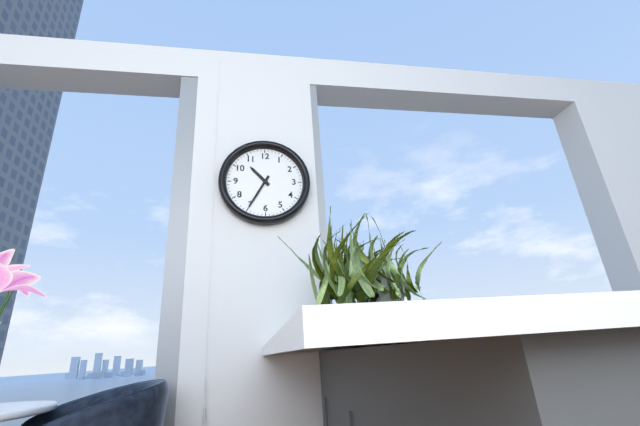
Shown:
10h35
